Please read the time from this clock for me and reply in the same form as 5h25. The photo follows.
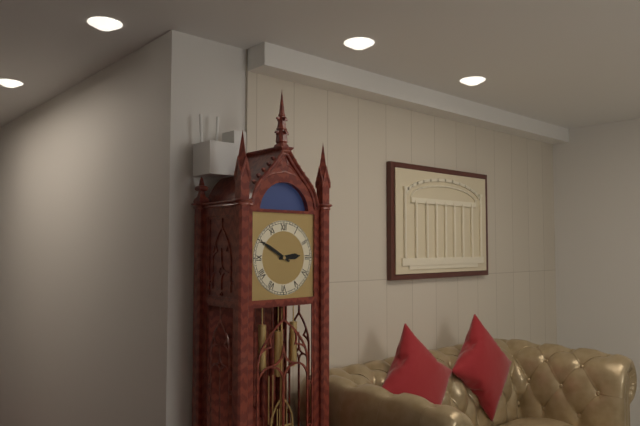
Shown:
2h50
